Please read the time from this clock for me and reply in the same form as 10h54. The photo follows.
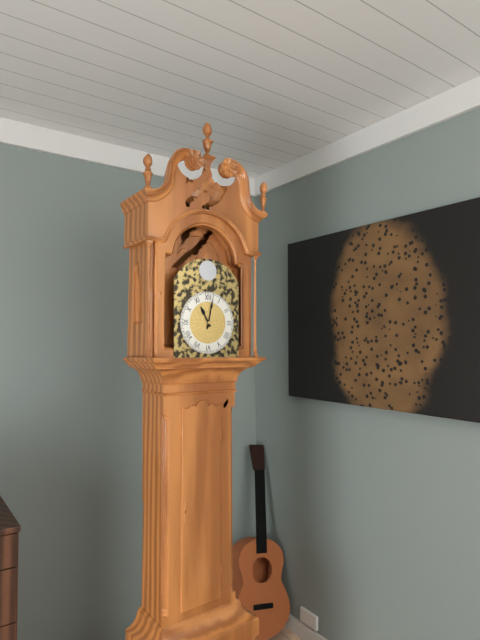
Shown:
11h02
